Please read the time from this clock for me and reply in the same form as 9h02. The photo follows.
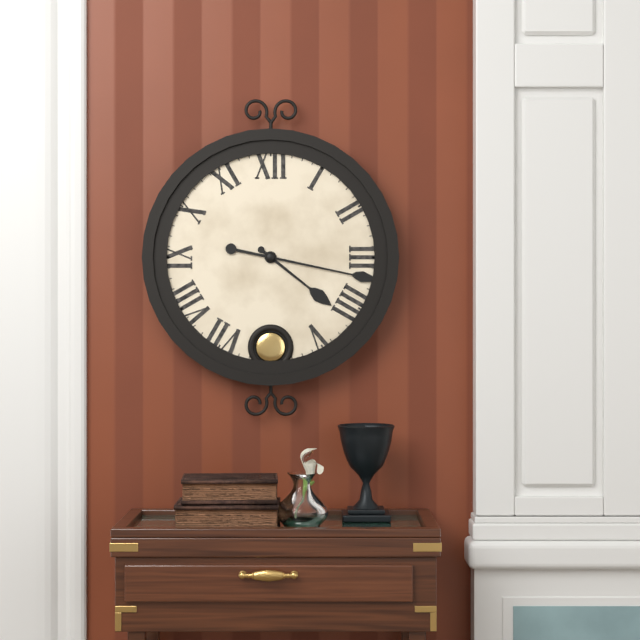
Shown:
4h17
